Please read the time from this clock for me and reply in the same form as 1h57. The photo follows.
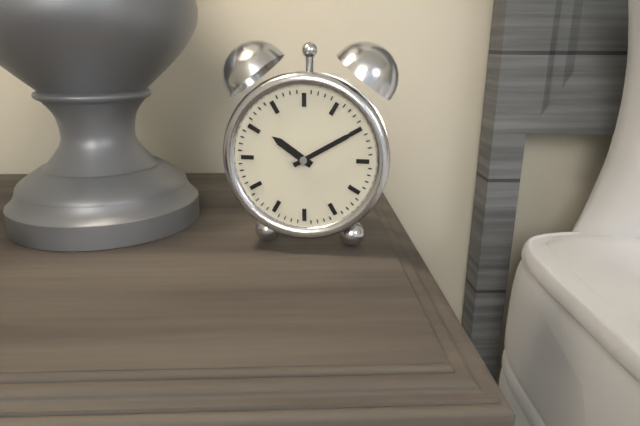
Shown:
10h10
